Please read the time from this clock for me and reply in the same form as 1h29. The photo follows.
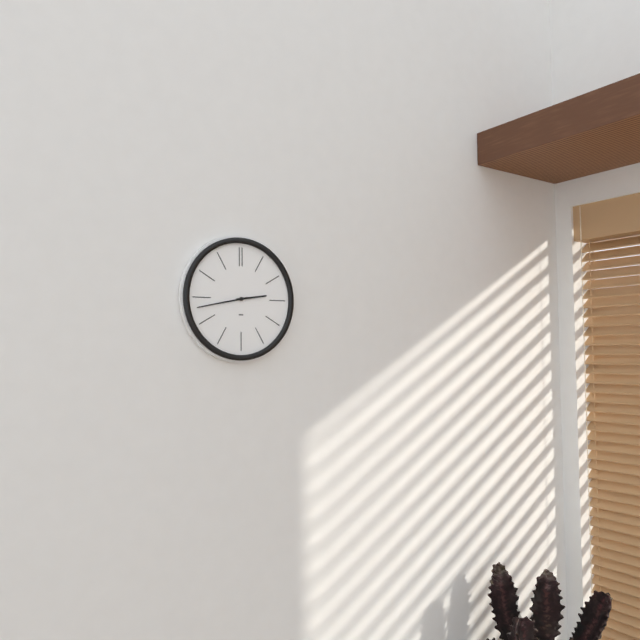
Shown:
2h43
